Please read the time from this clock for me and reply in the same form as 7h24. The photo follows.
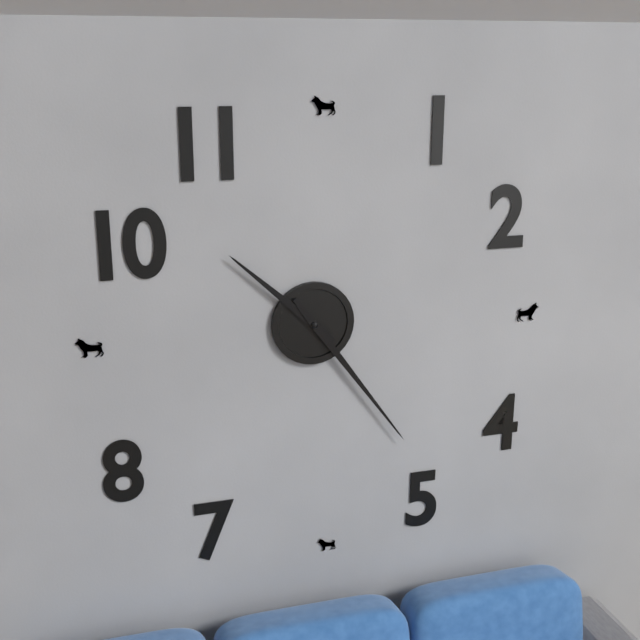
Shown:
10h24
